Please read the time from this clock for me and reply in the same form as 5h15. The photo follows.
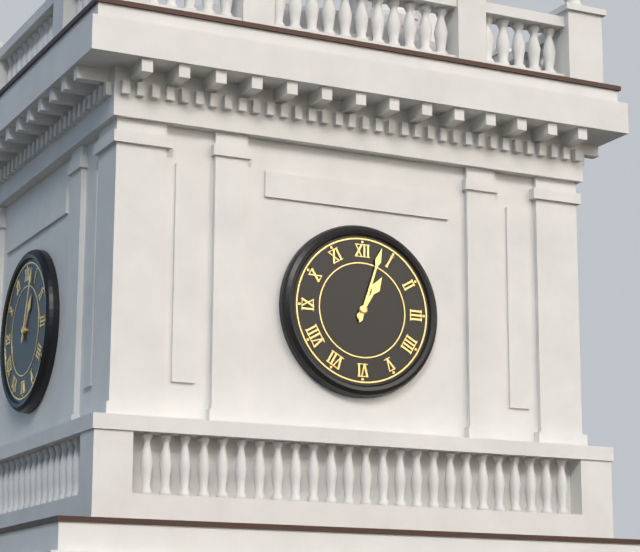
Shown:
1h03
